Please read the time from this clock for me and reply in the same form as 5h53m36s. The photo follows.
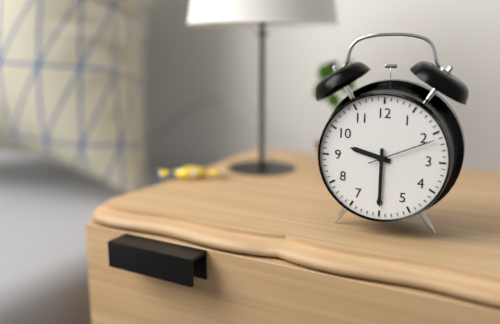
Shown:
9h30m11s
